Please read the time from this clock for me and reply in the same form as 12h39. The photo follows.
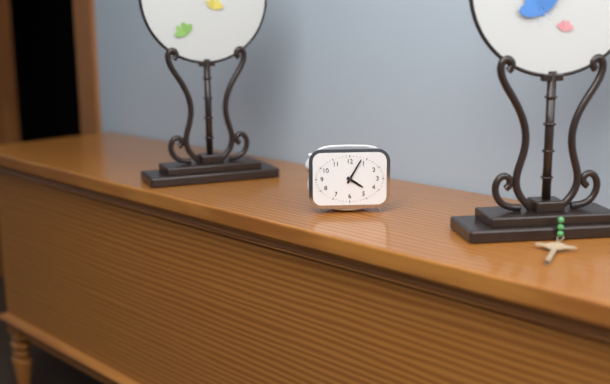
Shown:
4h05
